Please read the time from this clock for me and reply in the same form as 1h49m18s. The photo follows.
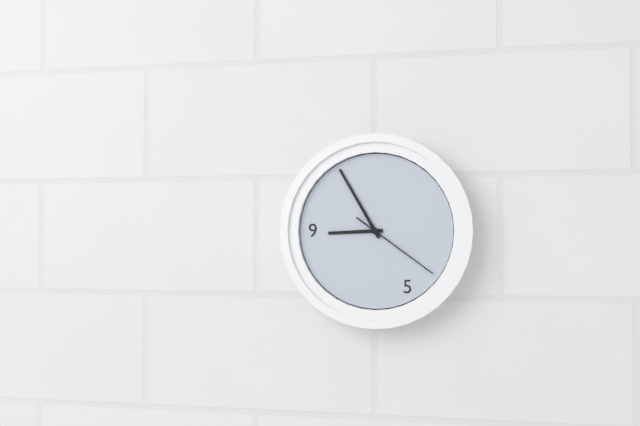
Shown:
8h55m21s
